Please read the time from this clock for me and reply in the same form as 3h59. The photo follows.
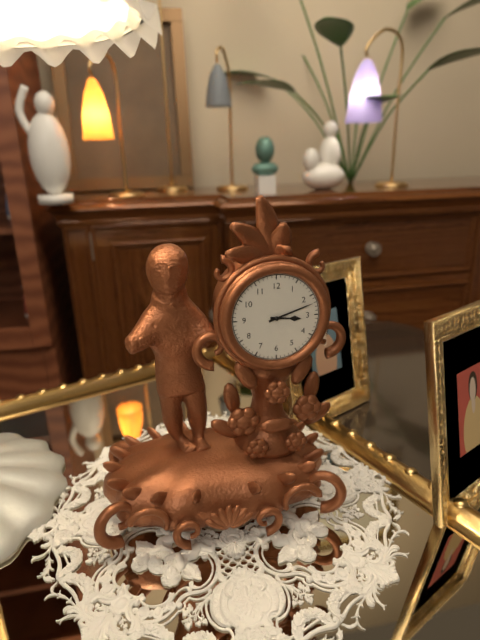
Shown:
3h12
